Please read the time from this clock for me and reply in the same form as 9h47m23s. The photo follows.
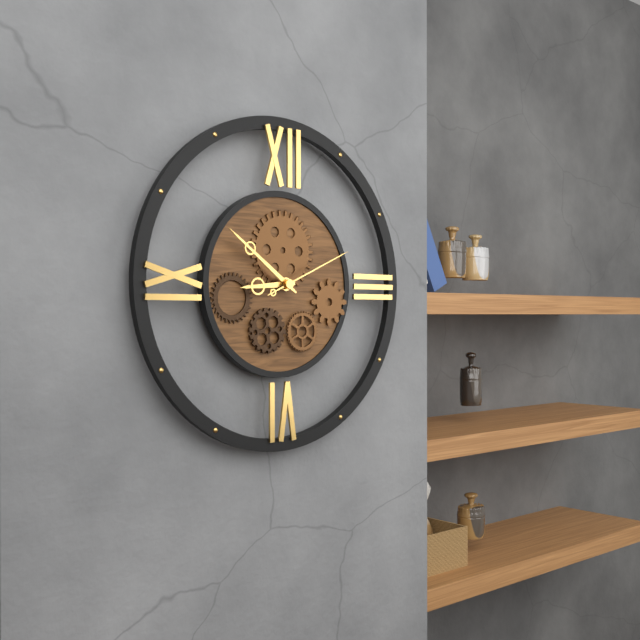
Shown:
8h51m11s
